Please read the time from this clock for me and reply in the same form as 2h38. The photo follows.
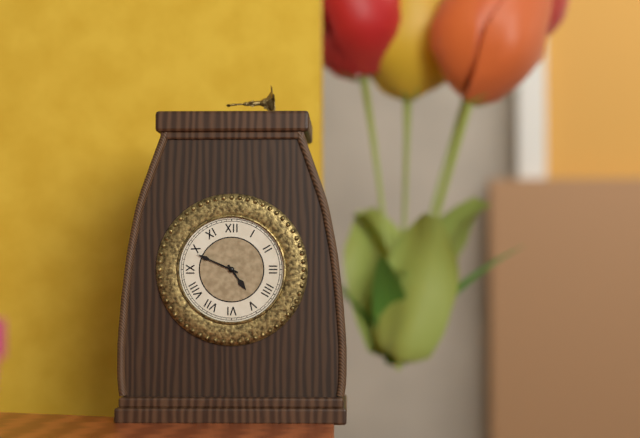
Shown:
4h49
